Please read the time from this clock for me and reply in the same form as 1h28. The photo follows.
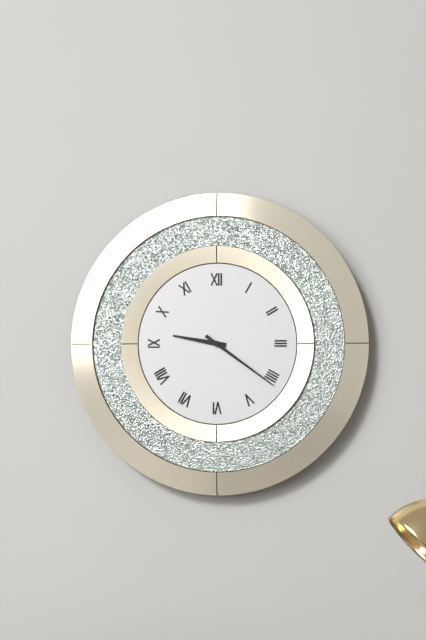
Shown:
9h21
